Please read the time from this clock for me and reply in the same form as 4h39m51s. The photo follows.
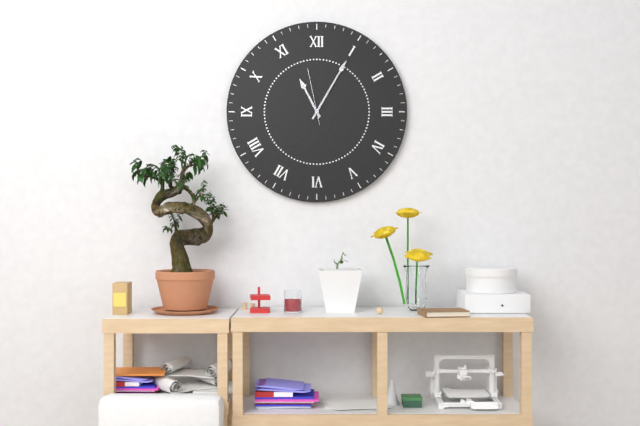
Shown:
11h05m58s
